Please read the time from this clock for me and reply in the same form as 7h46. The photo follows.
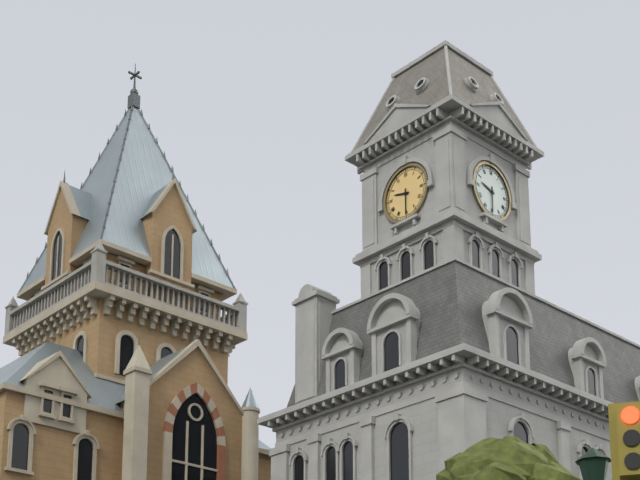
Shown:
9h30
